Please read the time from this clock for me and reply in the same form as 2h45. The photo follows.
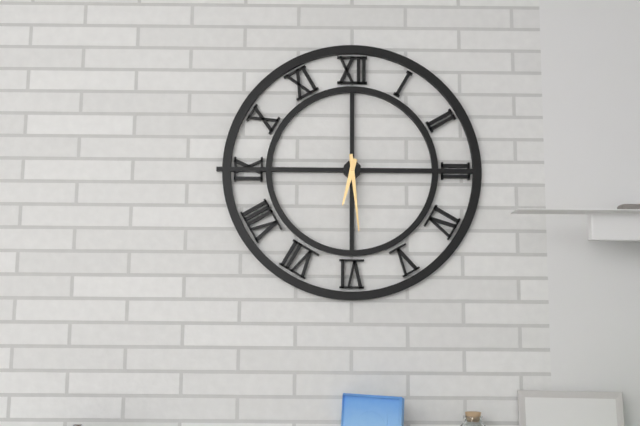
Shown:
6h29
